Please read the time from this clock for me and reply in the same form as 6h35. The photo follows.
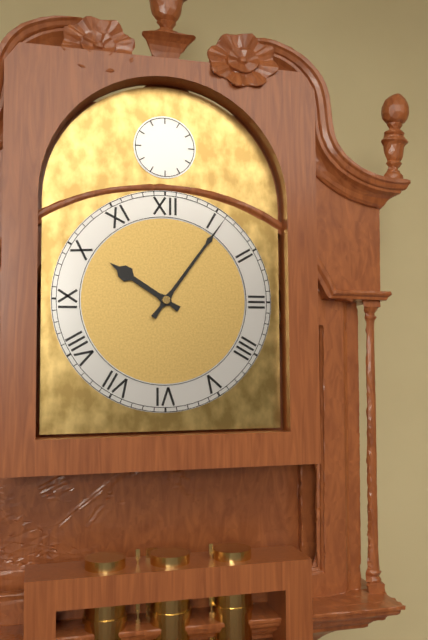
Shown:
10h06
